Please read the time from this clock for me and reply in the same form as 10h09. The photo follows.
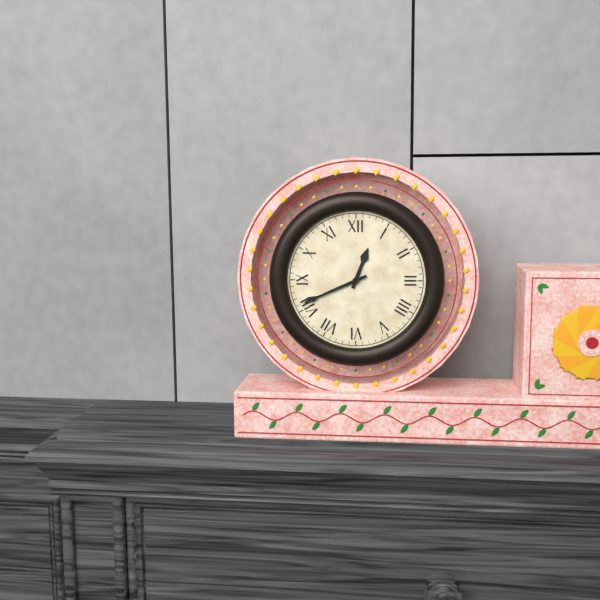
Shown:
12h41
